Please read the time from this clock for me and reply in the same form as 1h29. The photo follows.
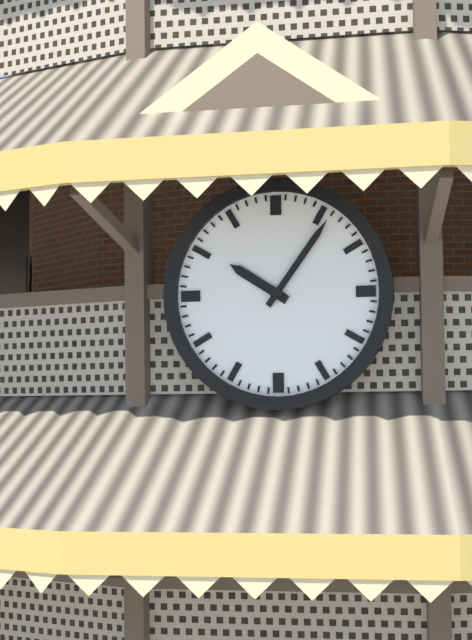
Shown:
10h06
